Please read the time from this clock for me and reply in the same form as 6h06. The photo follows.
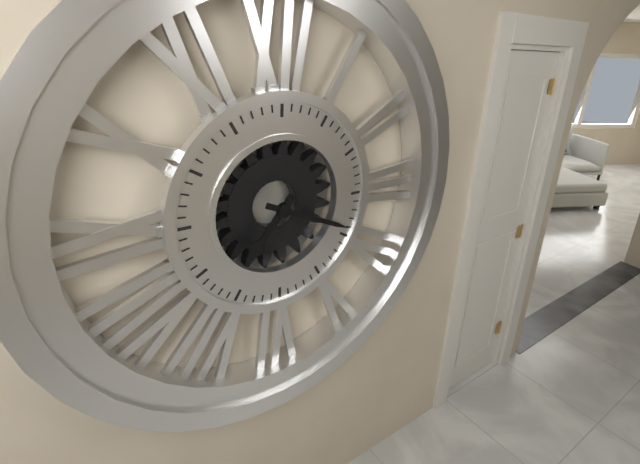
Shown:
7h19
